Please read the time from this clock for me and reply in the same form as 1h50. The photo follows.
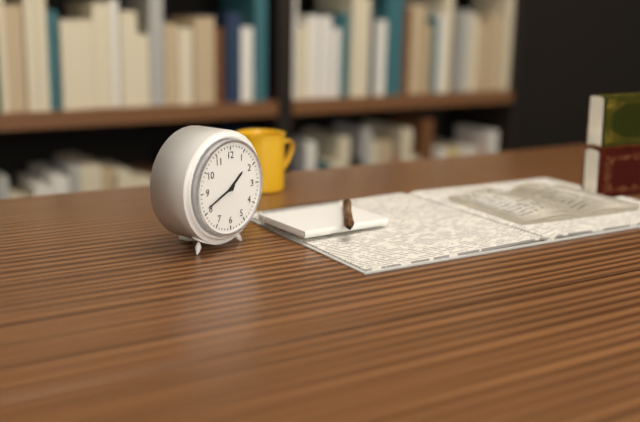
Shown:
1h41
